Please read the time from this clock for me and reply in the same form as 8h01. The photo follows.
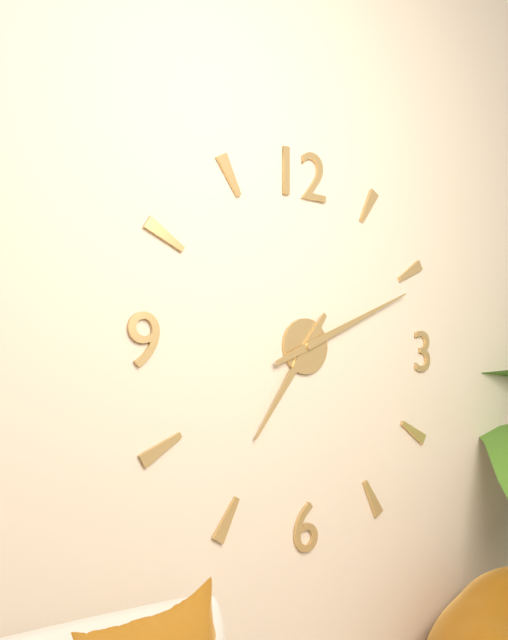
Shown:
7h11
